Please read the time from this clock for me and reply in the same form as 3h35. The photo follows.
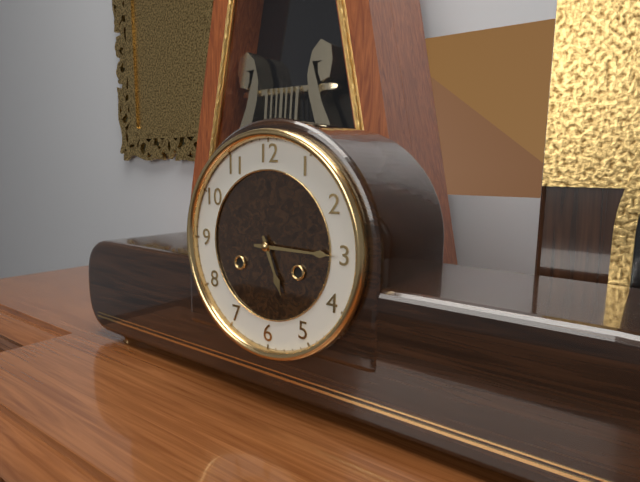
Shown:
5h15
